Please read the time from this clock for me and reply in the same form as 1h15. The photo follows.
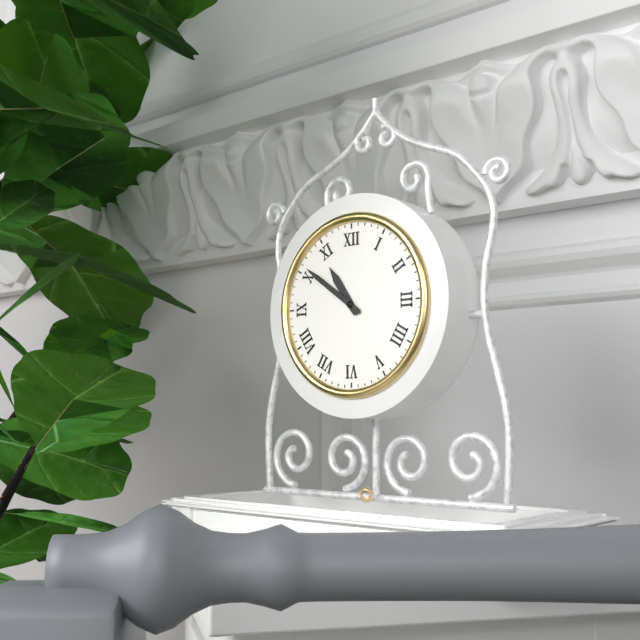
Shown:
10h51
